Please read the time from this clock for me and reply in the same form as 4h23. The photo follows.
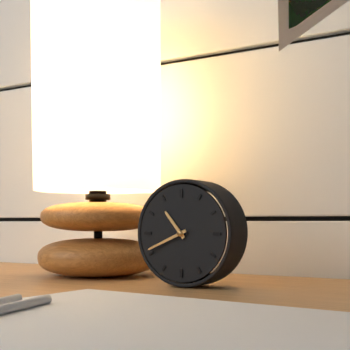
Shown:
10h41
